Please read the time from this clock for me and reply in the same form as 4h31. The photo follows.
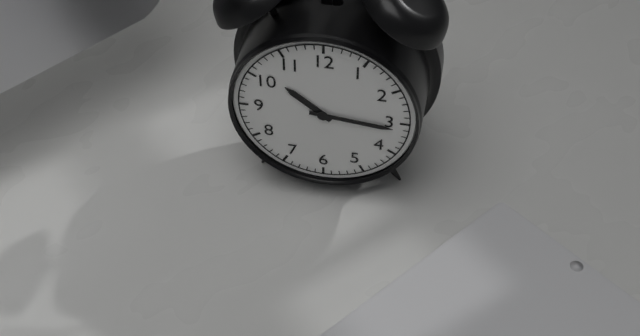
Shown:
10h16
